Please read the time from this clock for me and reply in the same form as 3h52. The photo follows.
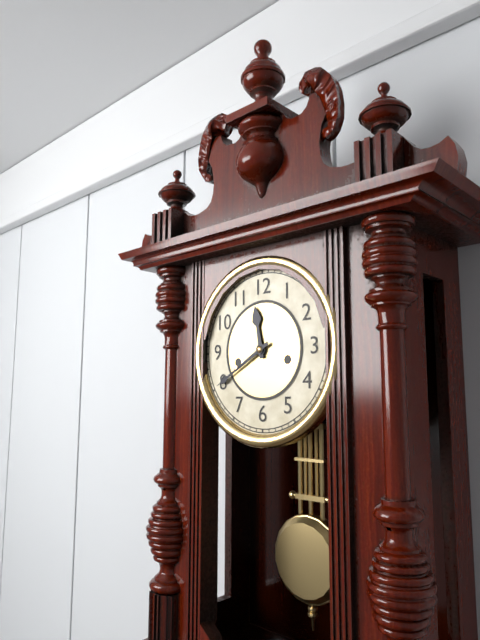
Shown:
11h40
